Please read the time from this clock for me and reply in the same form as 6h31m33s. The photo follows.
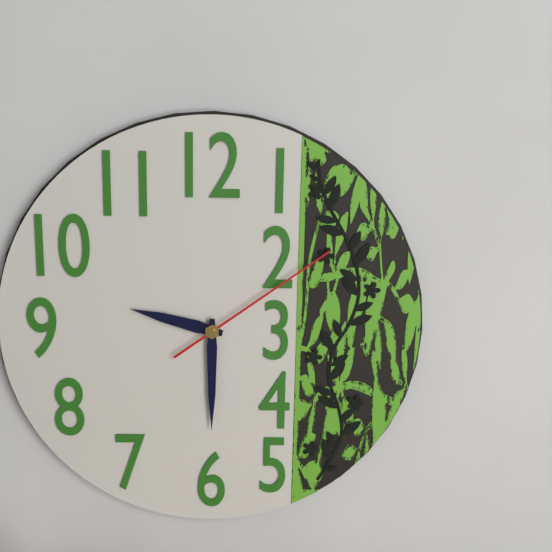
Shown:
9h30m09s
